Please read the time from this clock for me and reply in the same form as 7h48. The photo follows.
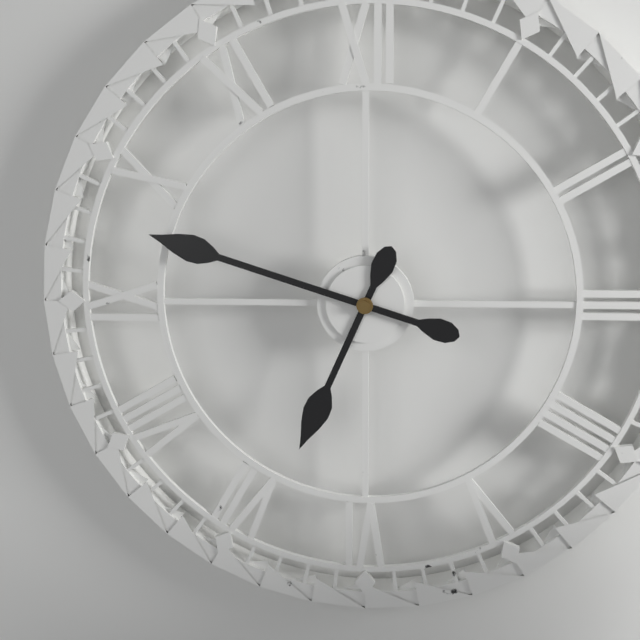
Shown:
6h48
